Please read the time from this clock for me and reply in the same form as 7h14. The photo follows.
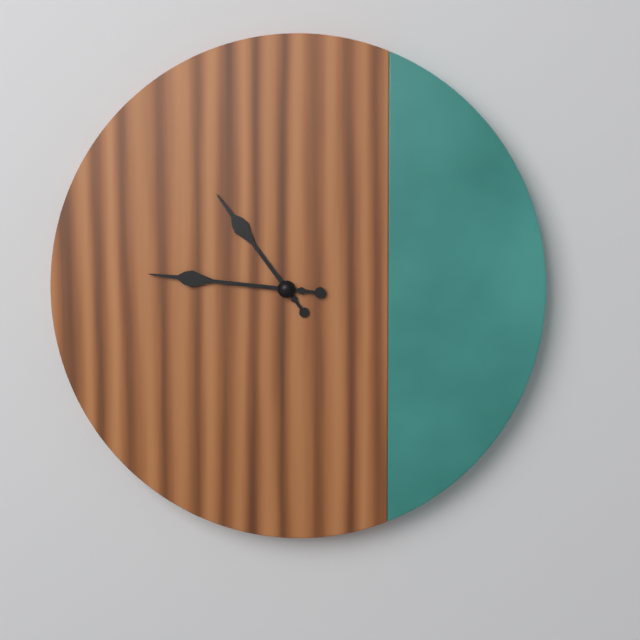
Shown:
10h46
